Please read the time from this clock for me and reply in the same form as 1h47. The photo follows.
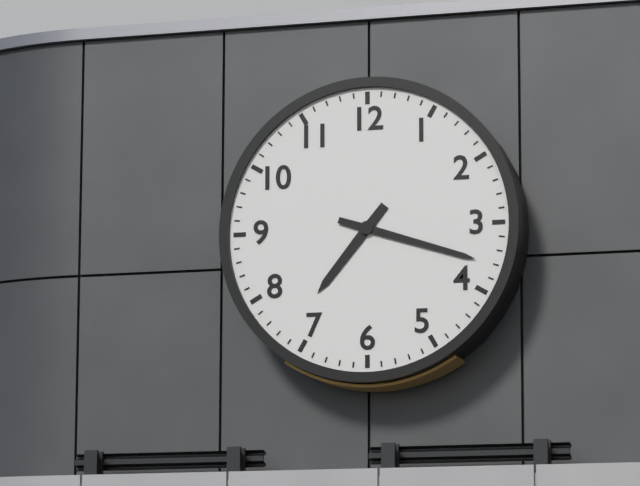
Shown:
7h18
